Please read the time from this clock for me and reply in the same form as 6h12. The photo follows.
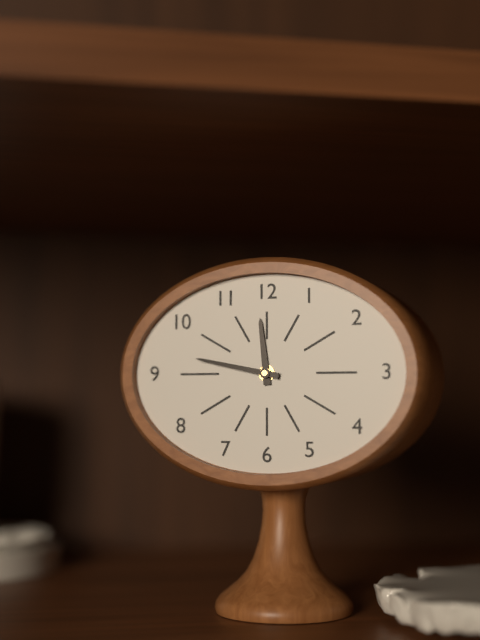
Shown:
11h47
